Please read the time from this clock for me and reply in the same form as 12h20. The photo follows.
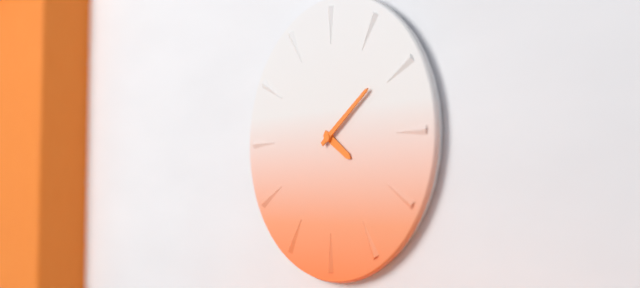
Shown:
4h09
